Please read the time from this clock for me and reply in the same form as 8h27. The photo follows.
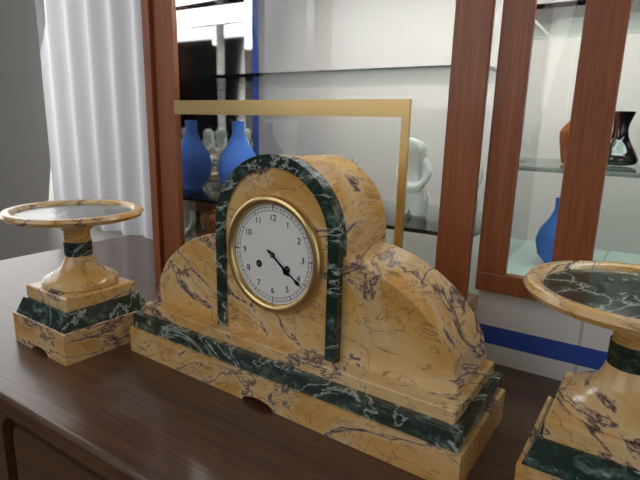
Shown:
4h21
